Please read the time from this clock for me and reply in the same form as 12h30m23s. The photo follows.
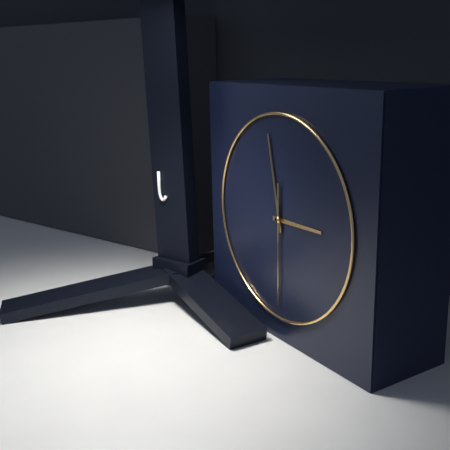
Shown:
2h58m30s
